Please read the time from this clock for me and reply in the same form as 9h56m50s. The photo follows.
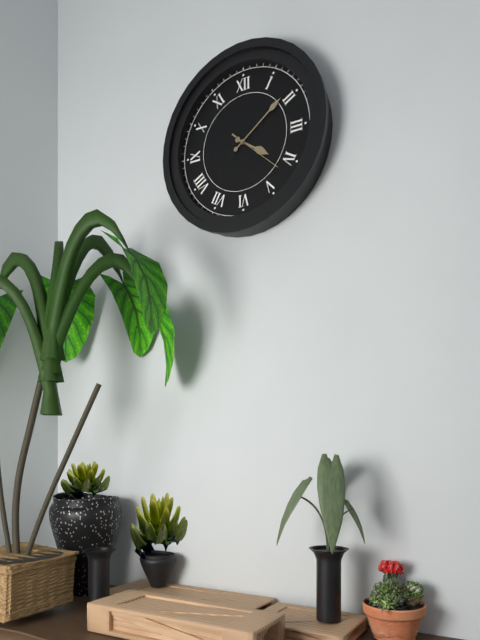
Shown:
4h09m22s
